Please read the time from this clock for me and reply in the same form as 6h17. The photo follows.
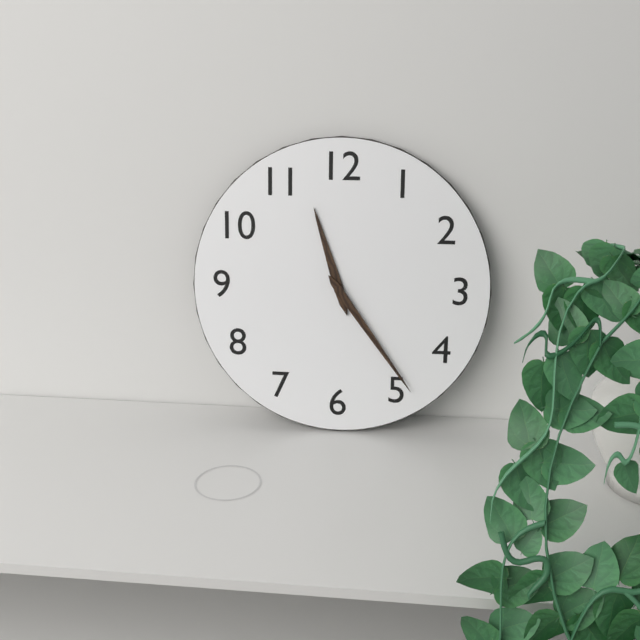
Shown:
11h24
